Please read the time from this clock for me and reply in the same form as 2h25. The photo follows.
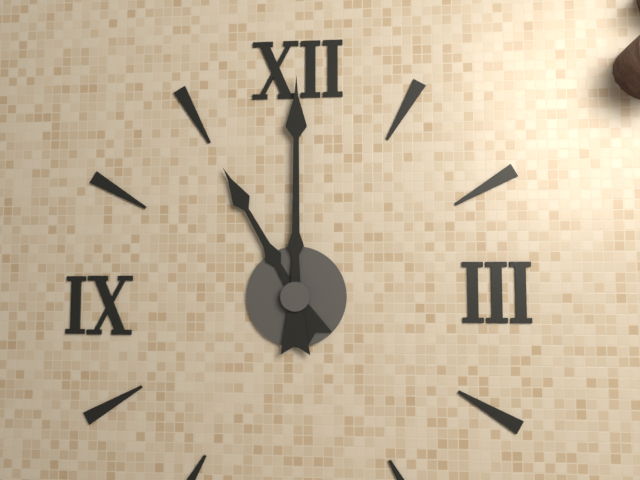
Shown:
11h00
